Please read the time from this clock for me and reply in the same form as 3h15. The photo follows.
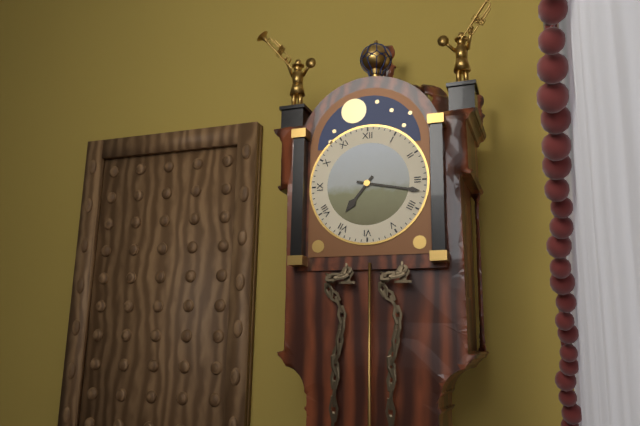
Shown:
7h17
